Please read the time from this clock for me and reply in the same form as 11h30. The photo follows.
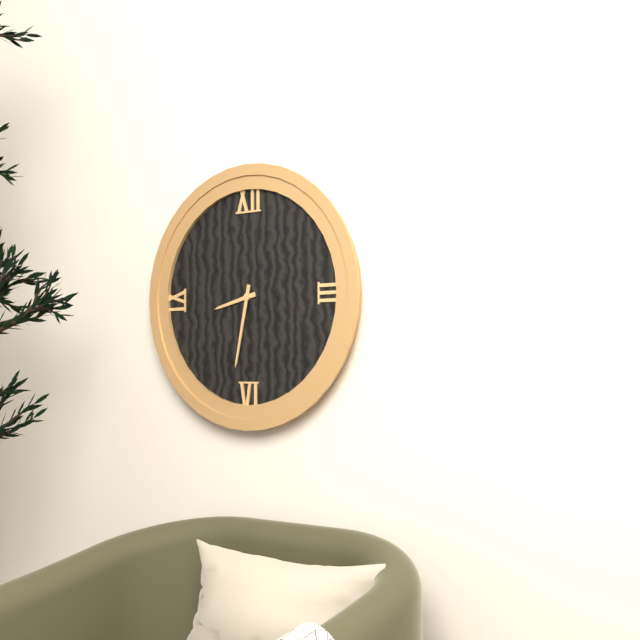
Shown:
8h32
